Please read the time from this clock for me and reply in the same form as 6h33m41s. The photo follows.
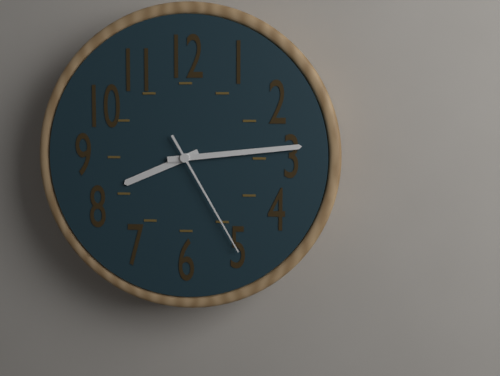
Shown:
8h14m25s
